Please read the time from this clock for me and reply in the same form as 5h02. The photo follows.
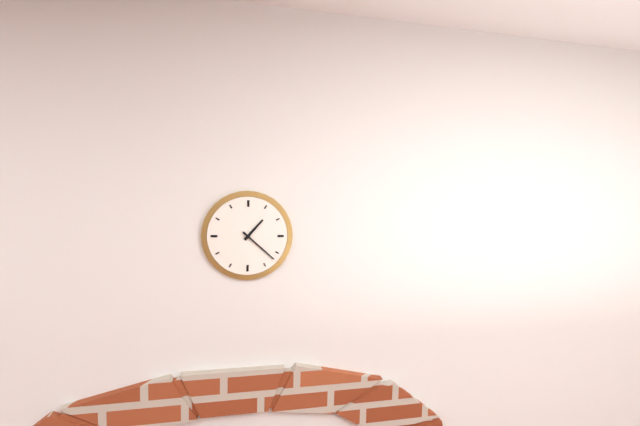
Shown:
1h22
